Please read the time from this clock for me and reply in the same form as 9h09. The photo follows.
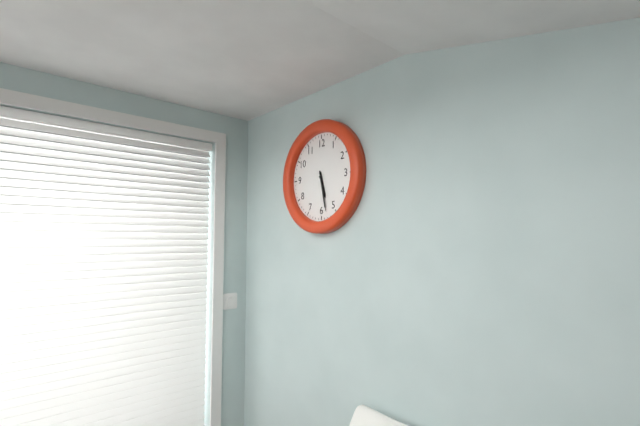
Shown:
5h28
